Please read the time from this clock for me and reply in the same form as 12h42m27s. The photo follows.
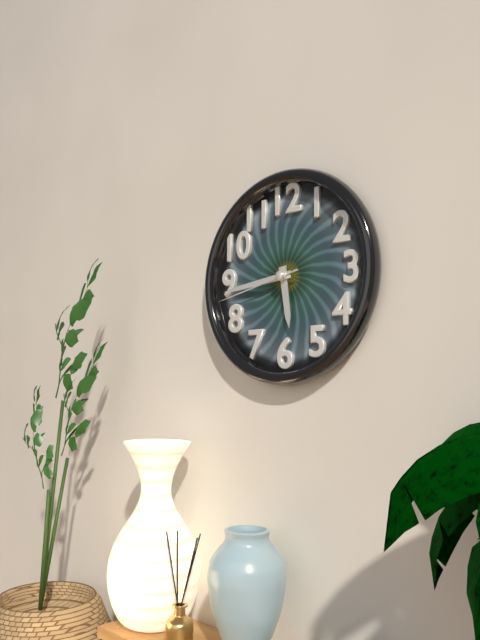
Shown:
5h44m43s
